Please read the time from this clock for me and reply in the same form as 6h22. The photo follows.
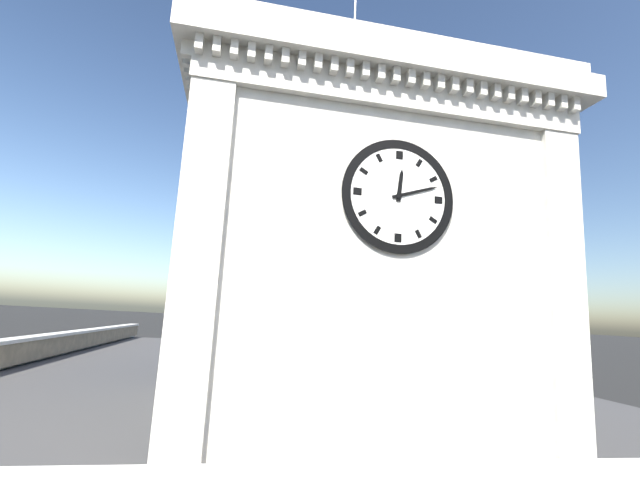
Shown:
12h12
